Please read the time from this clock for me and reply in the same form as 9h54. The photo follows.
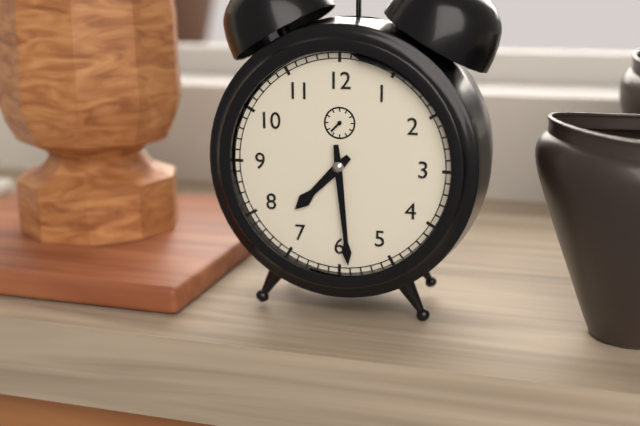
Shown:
7h29
